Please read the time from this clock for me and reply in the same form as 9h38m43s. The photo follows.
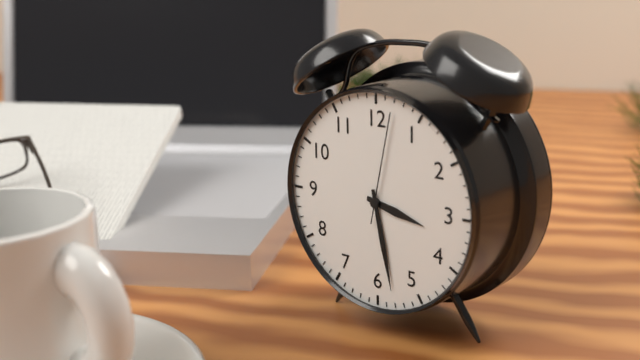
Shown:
3h28m02s
